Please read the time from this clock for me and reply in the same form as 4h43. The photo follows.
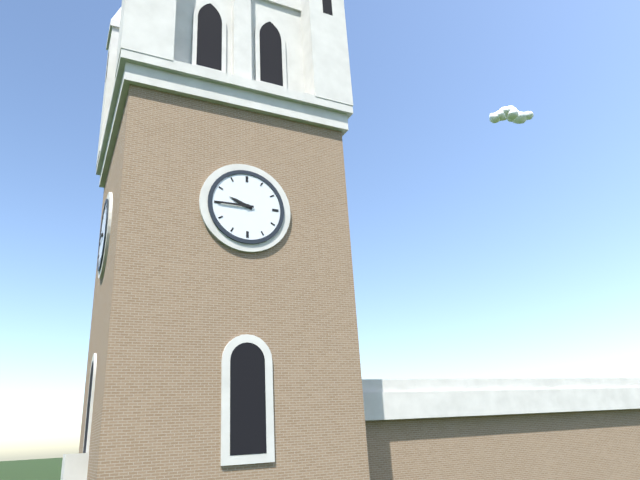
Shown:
9h45
